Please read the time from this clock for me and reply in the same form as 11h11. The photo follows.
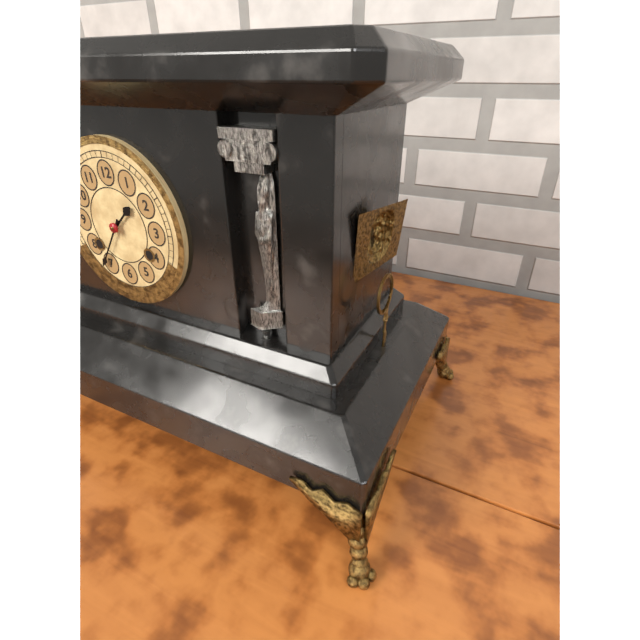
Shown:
1h36
